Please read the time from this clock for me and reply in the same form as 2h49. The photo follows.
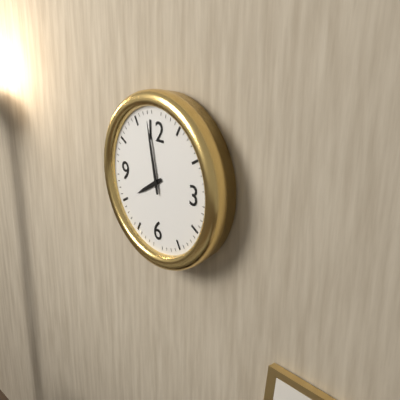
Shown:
7h58
